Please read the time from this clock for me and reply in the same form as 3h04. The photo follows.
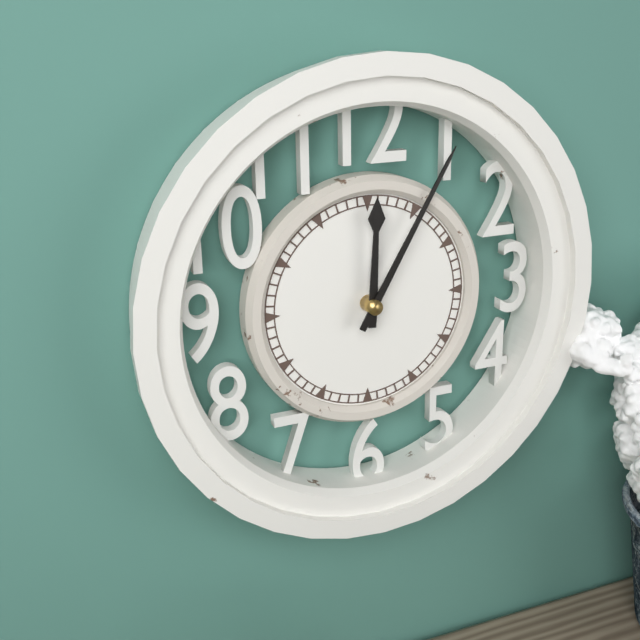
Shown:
12h05
